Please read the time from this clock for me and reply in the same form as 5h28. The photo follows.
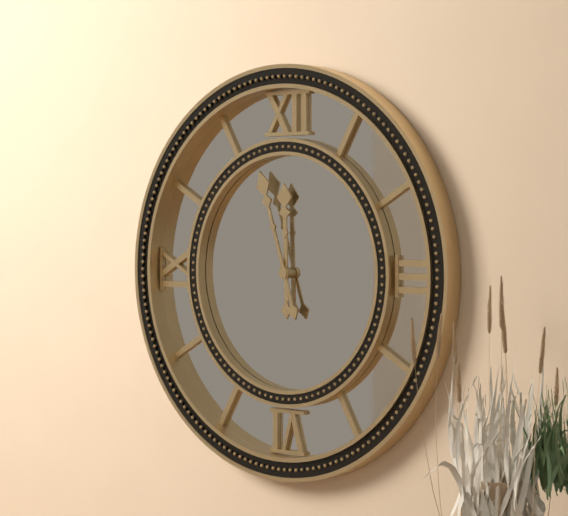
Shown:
11h57
